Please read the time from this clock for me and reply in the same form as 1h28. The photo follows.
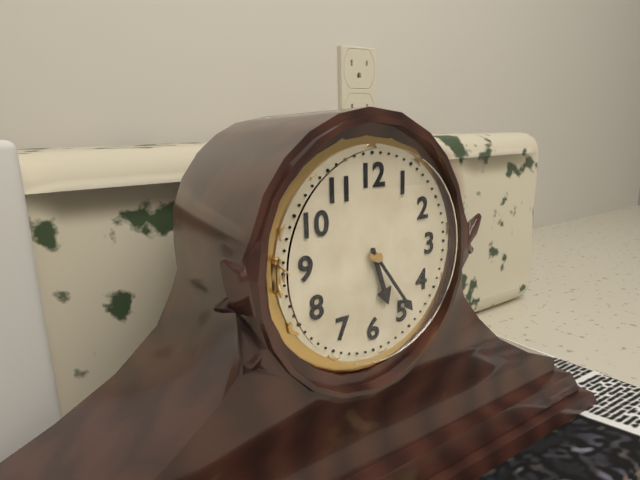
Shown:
5h24
